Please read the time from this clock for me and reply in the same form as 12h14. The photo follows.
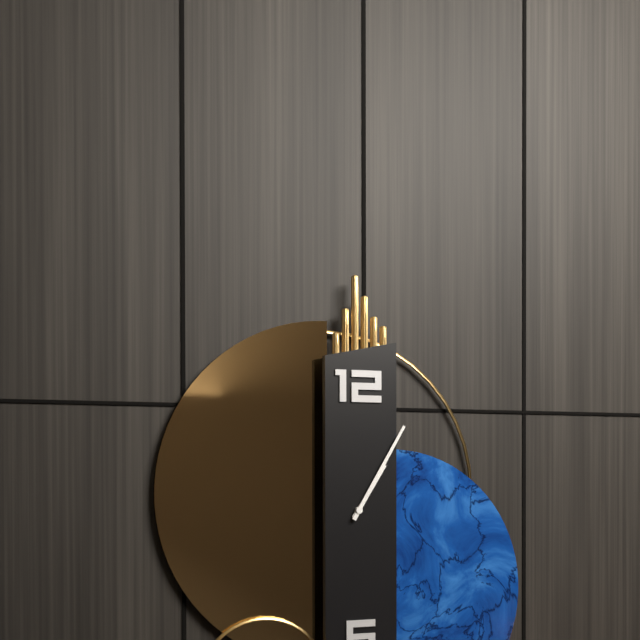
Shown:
1h05
